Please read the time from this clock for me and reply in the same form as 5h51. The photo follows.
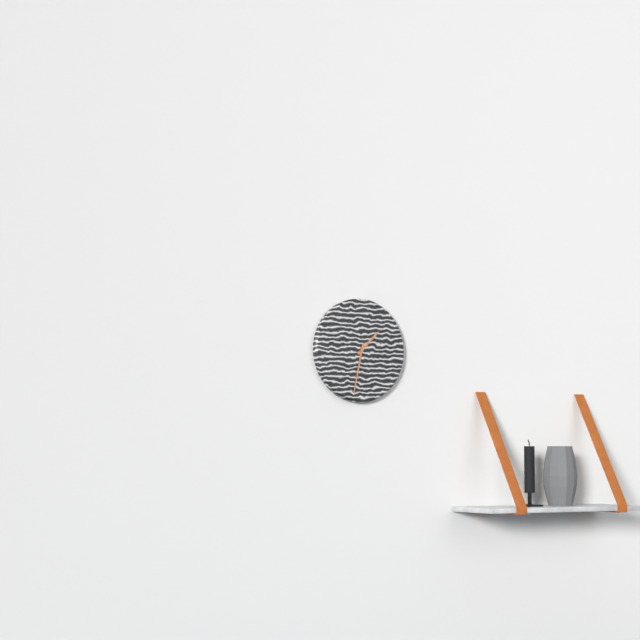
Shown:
1h32
